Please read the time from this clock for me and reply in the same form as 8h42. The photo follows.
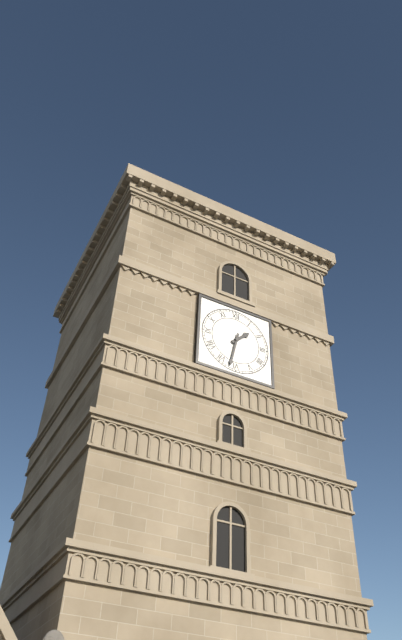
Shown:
1h32
